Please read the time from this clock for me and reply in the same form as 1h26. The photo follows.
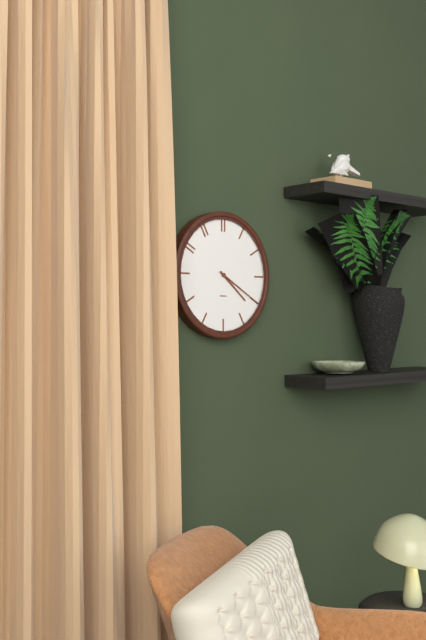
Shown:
4h20
